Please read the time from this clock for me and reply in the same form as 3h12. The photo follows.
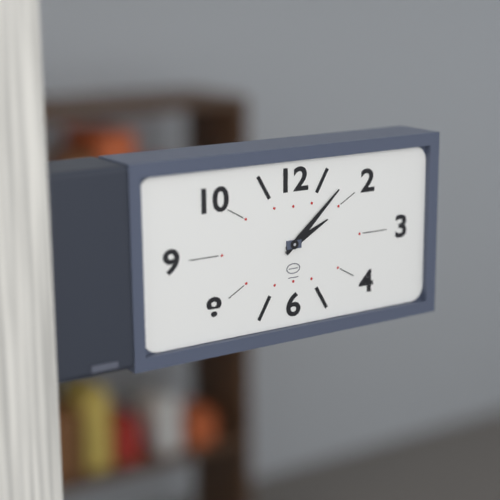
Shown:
2h08
